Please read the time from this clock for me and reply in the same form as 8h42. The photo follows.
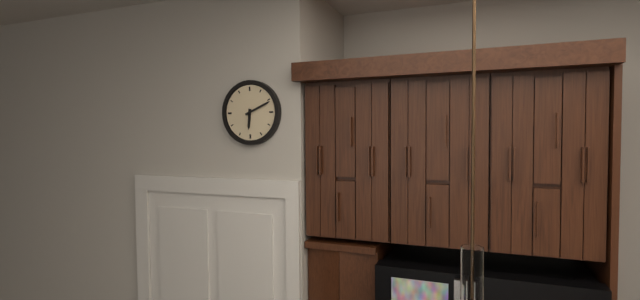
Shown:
6h11
